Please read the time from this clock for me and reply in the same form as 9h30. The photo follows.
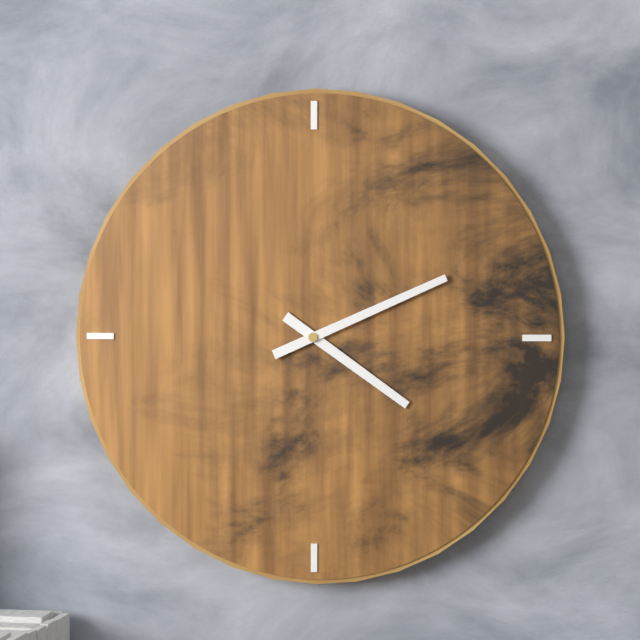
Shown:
4h11
